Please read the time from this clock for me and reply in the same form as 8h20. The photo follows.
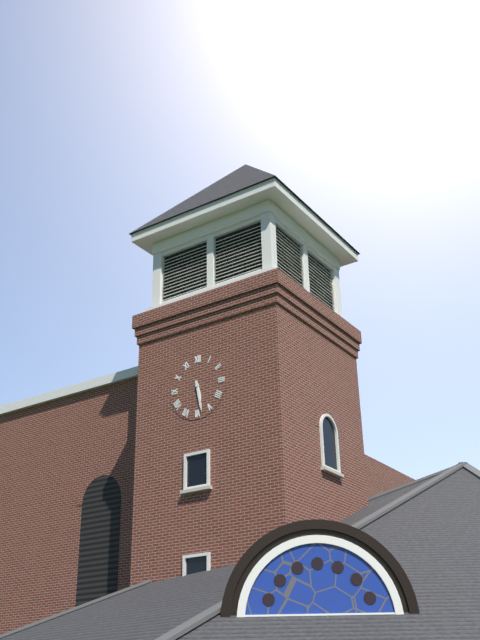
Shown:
5h28
